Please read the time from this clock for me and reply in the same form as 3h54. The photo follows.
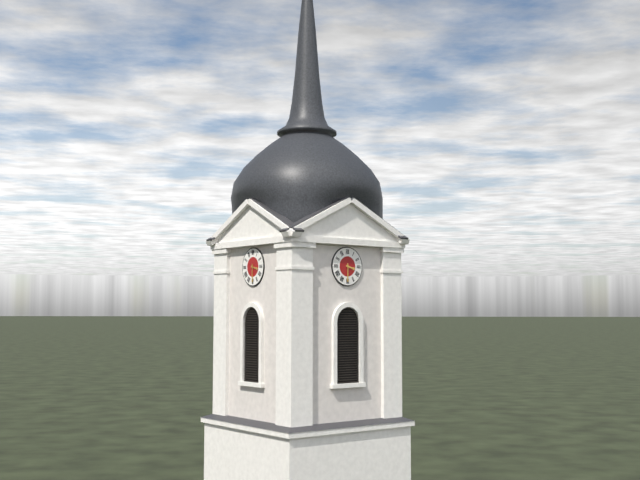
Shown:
3h30
